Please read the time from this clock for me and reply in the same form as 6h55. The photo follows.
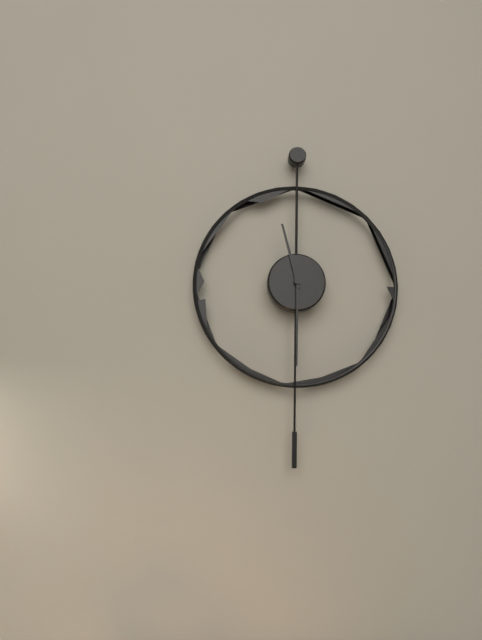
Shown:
11h30
